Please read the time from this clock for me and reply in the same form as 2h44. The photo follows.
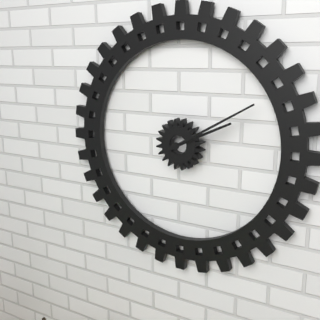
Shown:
2h10
